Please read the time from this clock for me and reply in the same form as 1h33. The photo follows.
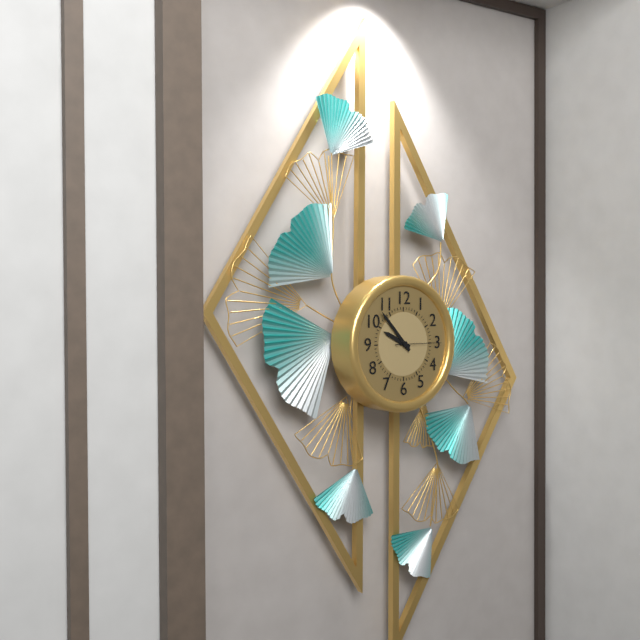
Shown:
9h53
